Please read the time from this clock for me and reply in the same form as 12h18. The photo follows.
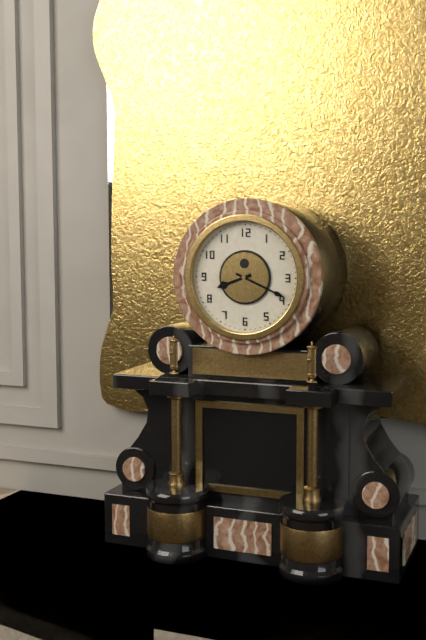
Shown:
8h19
